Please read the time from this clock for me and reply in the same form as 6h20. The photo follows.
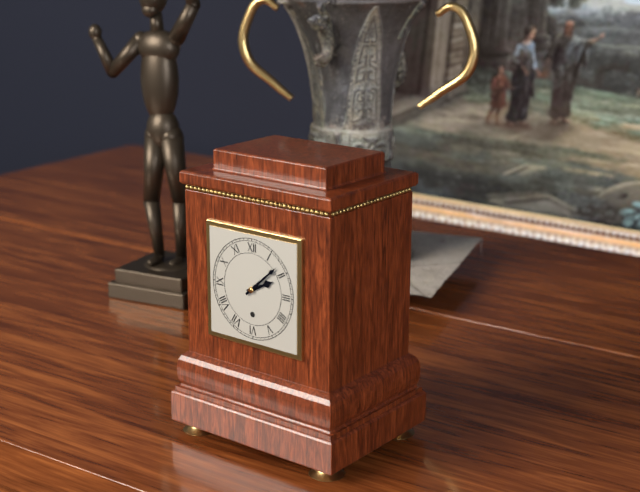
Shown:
2h08
